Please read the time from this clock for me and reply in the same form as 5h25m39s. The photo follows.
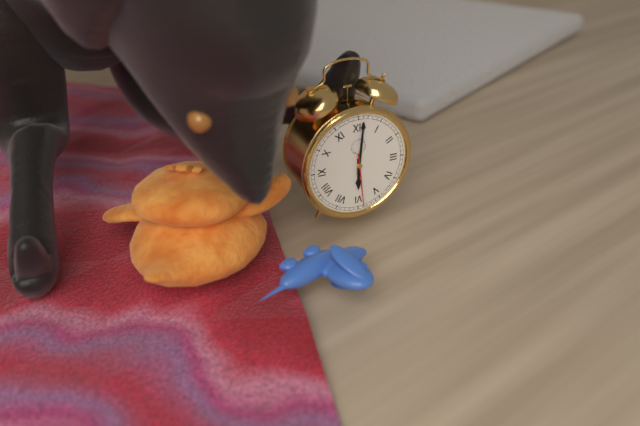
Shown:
6h01m29s
